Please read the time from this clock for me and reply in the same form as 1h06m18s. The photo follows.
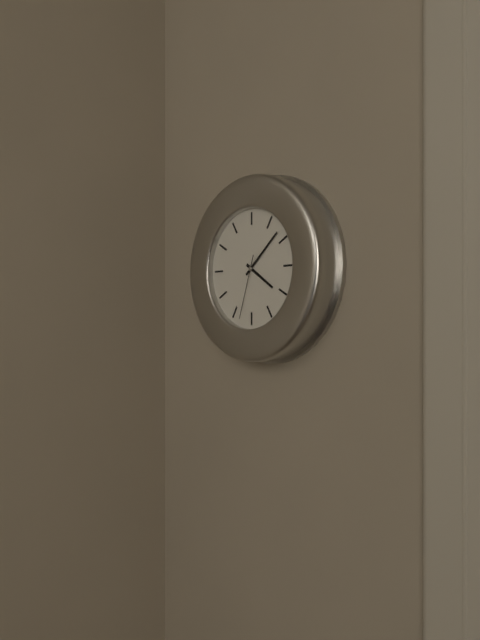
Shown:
4h08m33s
